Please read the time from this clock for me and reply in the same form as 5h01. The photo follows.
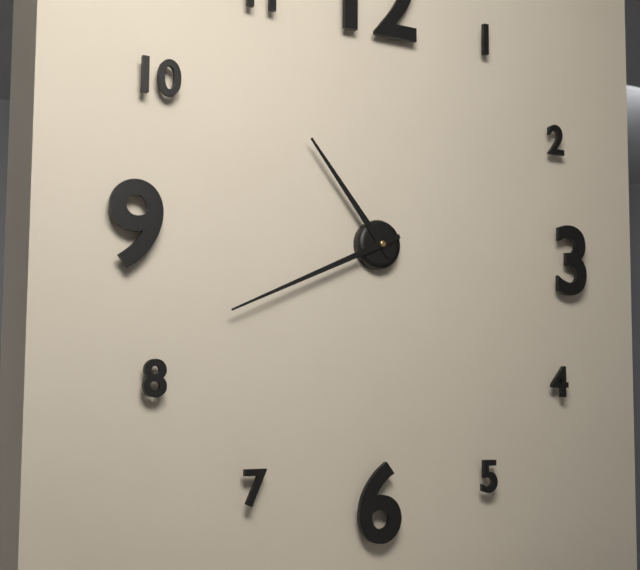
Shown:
10h41
